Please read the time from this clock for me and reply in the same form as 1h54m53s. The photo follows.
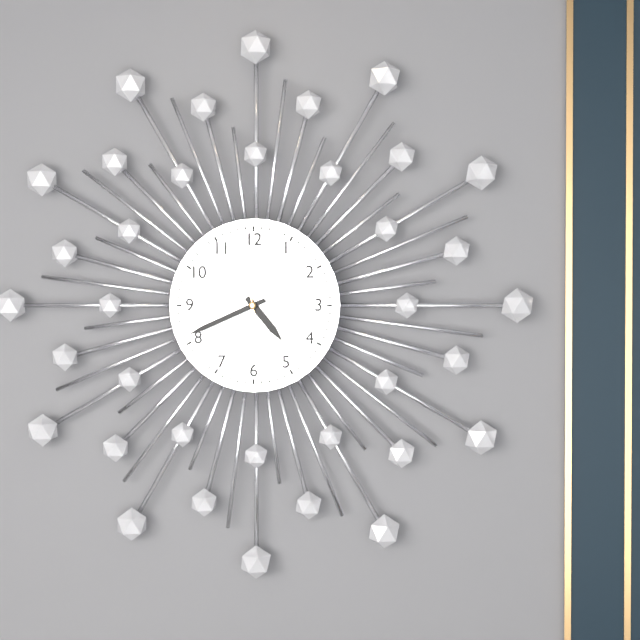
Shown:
4h41m28s
